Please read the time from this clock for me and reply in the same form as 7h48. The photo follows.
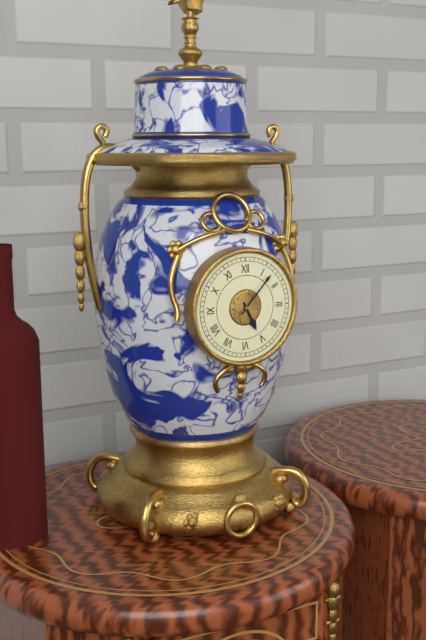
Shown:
5h07
